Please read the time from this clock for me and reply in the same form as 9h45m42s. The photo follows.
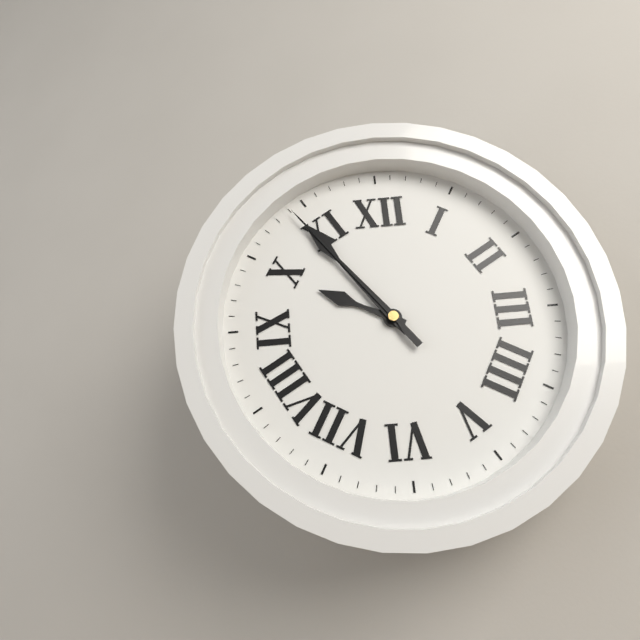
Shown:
9h54m54s
